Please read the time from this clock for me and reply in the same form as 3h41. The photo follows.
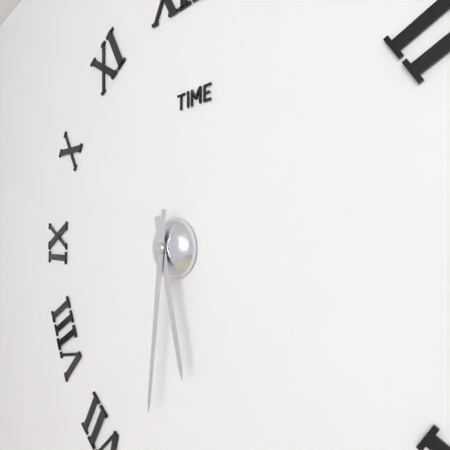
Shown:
5h31
